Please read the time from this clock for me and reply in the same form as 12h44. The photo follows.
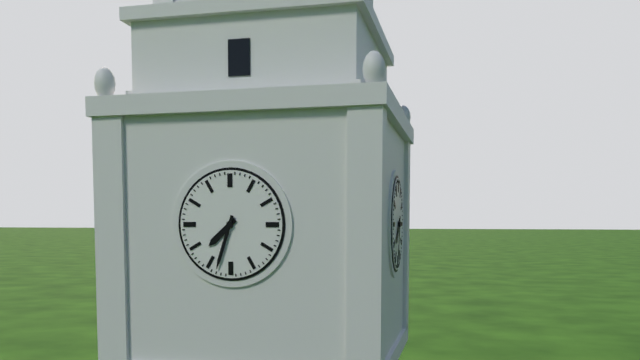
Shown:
7h33
